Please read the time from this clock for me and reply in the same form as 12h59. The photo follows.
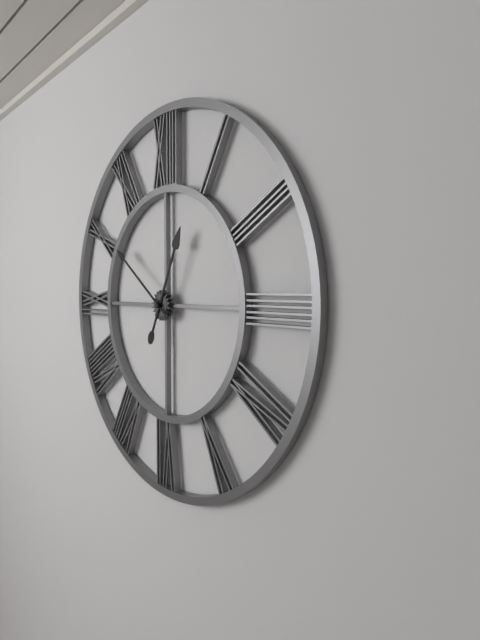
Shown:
12h51
